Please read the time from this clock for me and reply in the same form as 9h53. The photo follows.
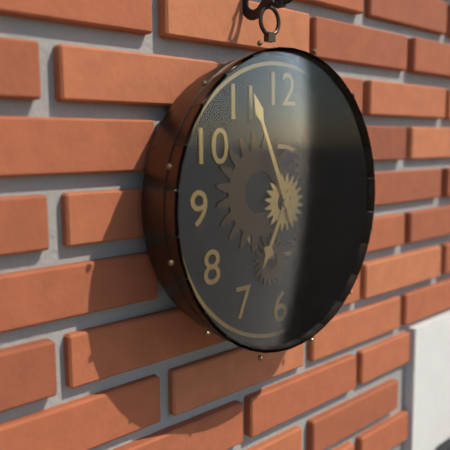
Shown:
6h56
